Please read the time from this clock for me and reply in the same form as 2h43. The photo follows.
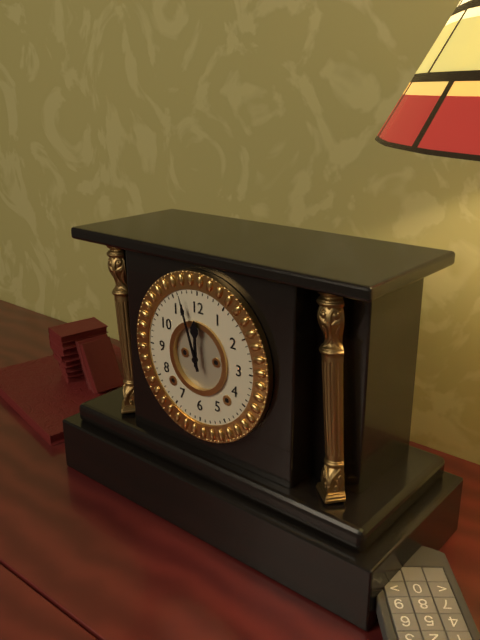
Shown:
11h57
